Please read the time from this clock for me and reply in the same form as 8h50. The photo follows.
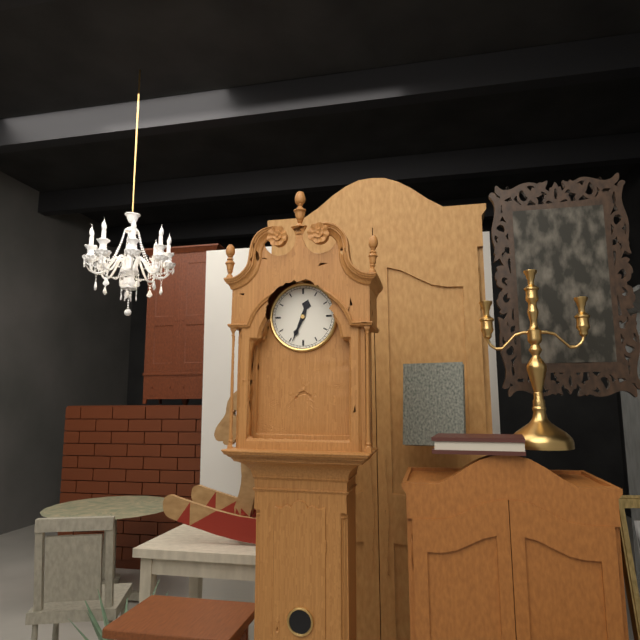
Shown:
12h34
